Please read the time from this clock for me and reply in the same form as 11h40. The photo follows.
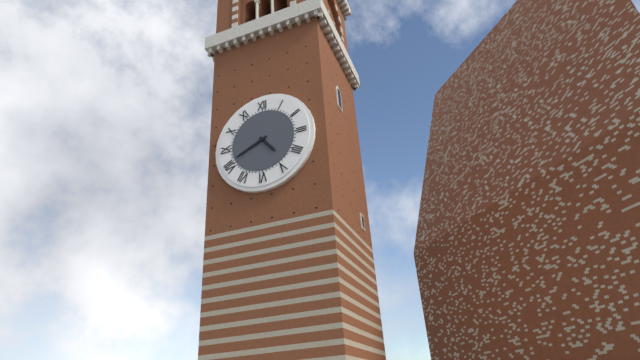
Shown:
4h41
